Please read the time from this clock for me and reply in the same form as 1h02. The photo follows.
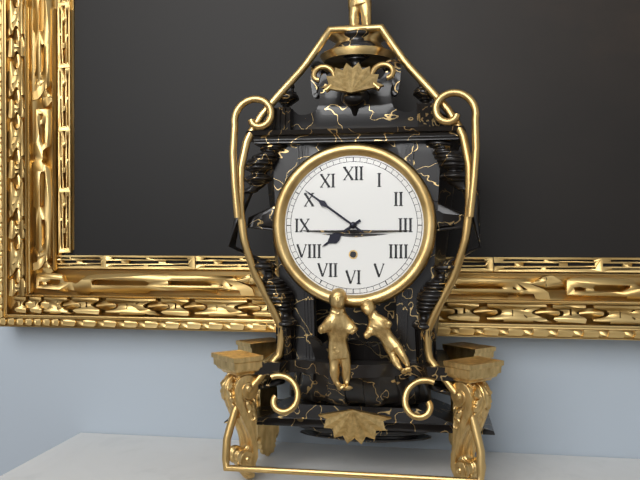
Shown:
7h51
